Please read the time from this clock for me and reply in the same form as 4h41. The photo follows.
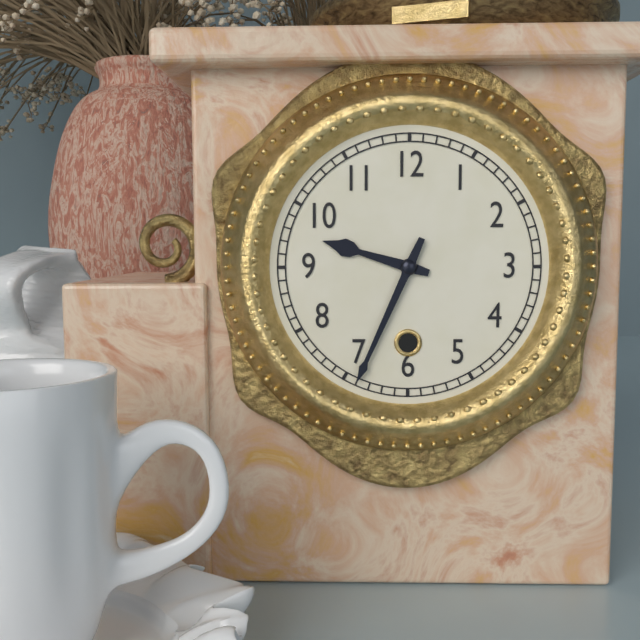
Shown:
9h34
